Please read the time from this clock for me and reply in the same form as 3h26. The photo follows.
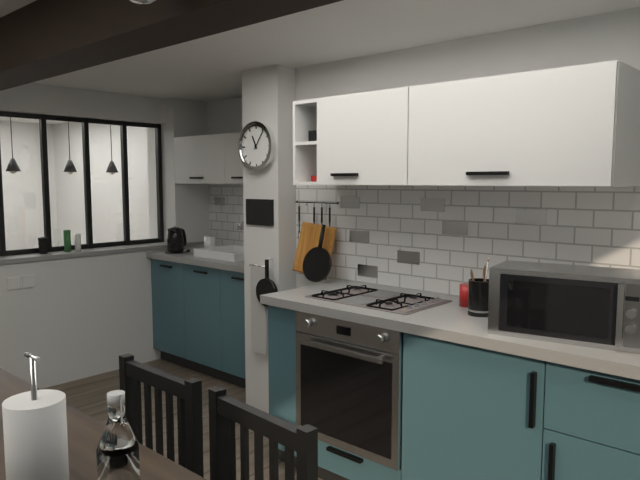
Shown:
11h06
